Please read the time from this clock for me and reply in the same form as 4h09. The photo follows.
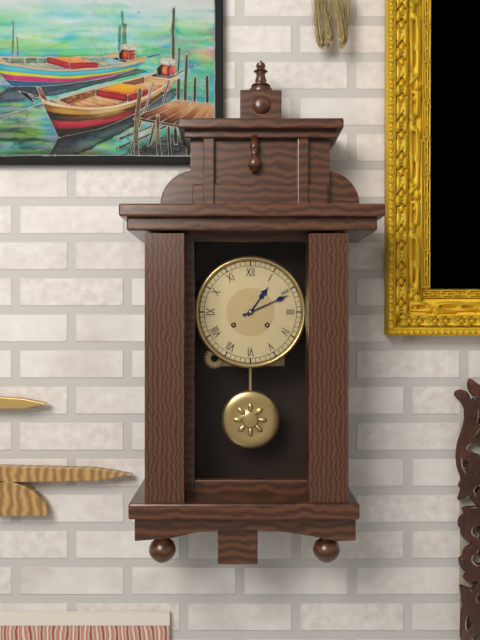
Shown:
1h11
